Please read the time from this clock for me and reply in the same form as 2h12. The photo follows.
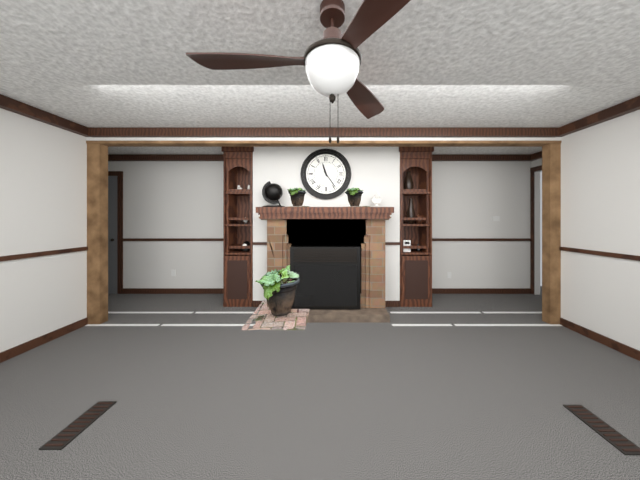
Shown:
11h24
